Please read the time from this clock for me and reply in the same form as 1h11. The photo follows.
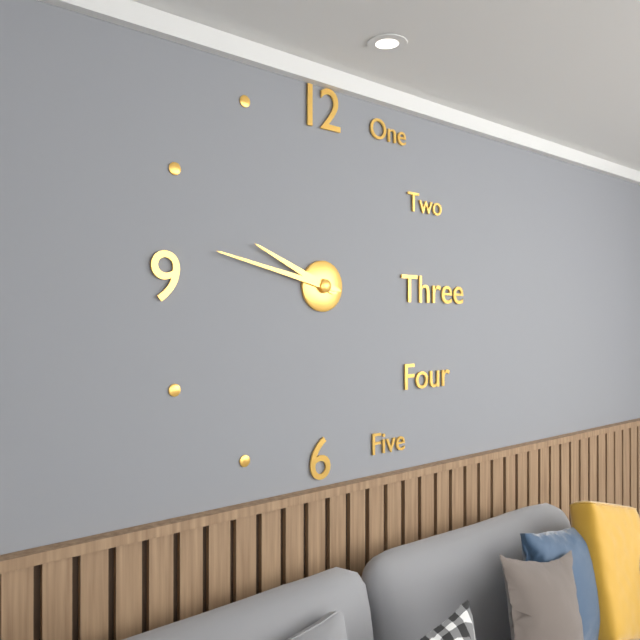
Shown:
9h47
